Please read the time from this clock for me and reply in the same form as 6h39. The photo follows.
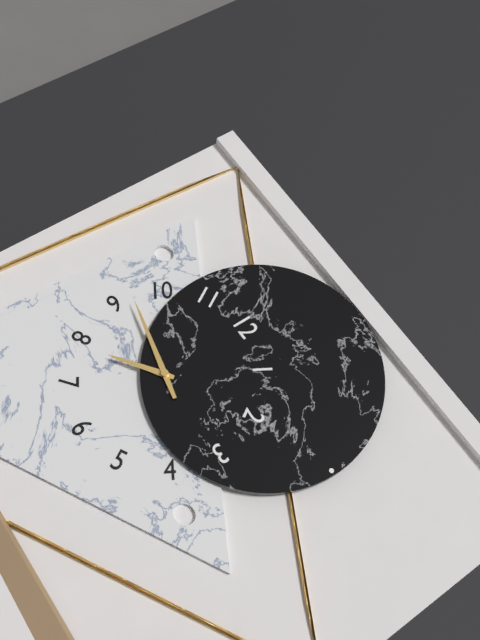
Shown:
7h47
